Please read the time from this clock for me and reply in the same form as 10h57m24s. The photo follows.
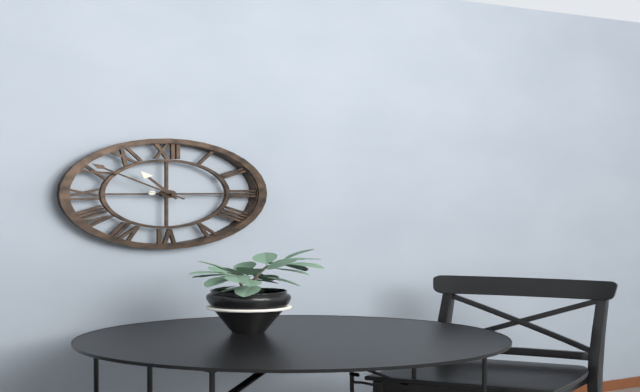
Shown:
10h51m16s
